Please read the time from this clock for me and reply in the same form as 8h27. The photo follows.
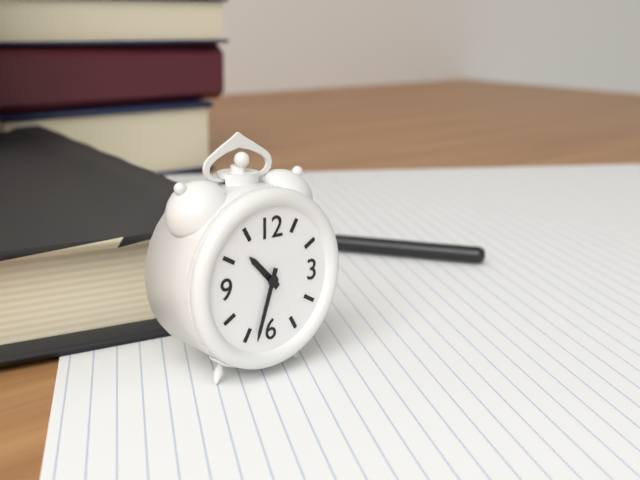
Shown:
10h33
